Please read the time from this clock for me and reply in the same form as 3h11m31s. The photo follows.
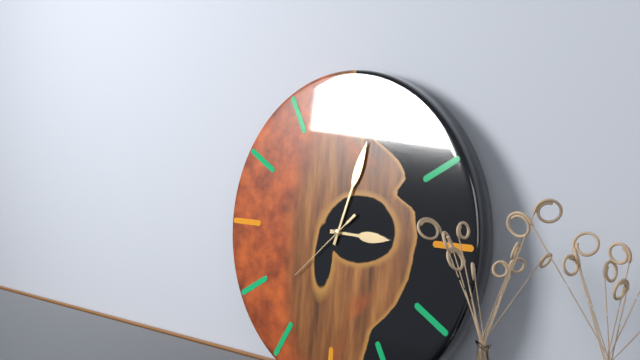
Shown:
3h03m38s
